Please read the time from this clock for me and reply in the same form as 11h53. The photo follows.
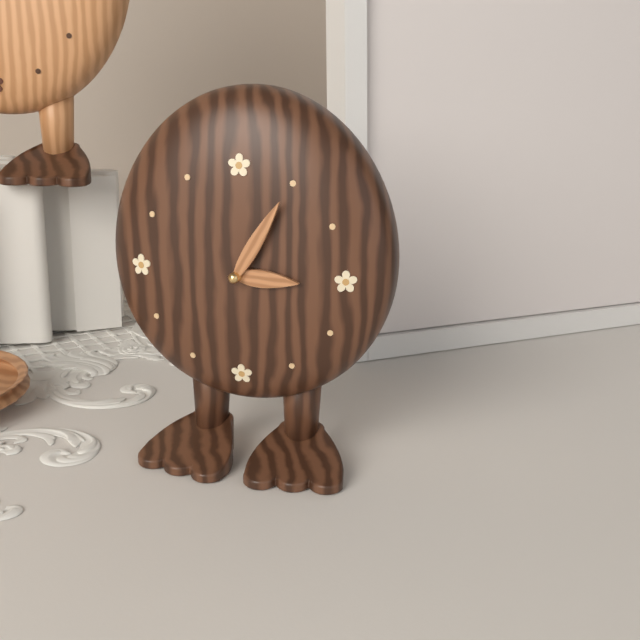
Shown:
3h05
